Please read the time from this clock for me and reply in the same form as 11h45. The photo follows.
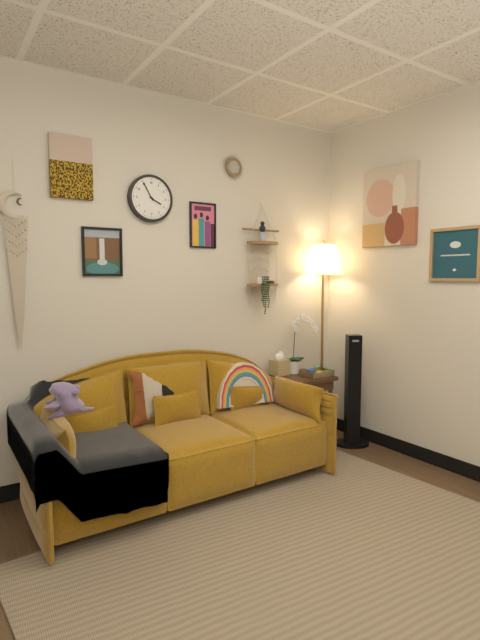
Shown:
3h55
